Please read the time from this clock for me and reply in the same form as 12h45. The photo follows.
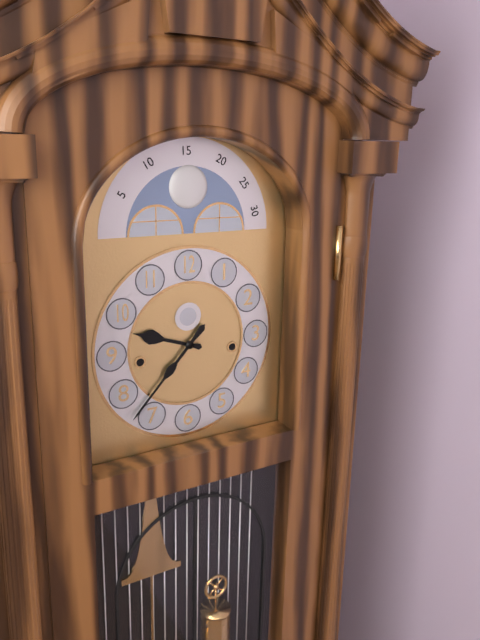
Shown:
9h37
